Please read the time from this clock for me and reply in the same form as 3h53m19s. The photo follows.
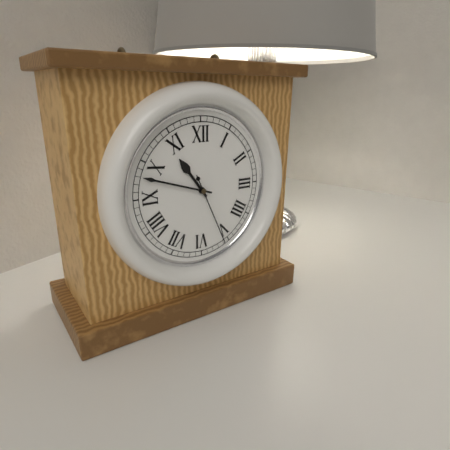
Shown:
10h48m26s
